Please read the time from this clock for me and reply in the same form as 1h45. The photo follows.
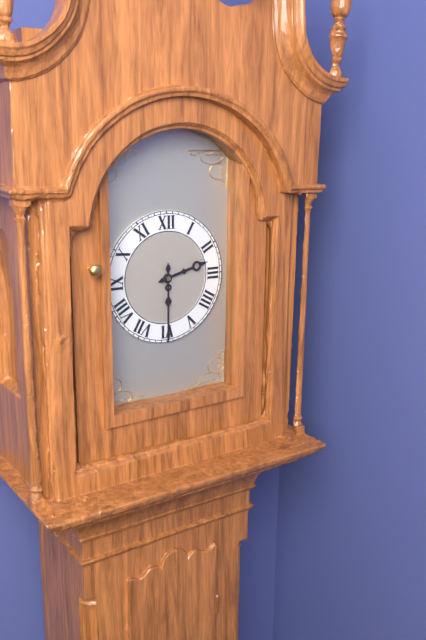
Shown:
2h30
